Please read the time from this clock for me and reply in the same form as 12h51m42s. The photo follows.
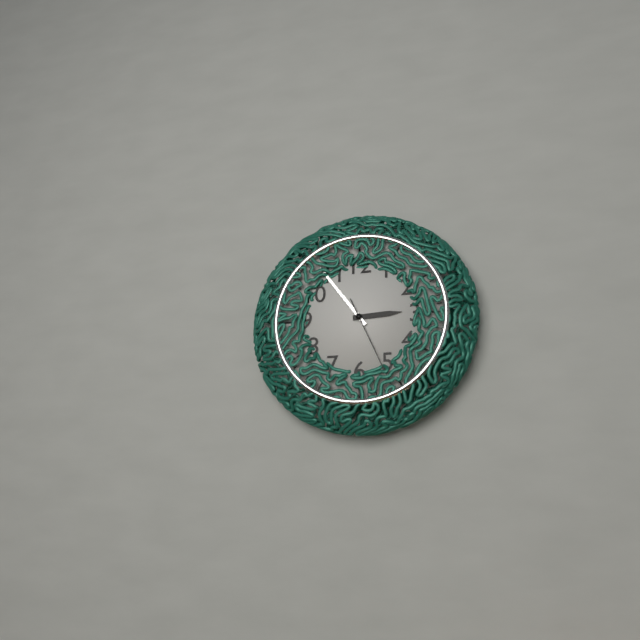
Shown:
2h54m26s
